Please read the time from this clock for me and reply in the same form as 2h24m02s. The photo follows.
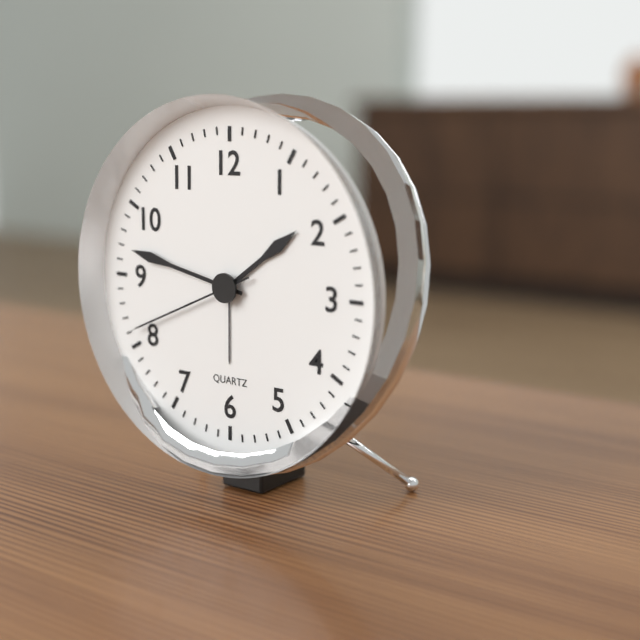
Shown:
1h47m41s
